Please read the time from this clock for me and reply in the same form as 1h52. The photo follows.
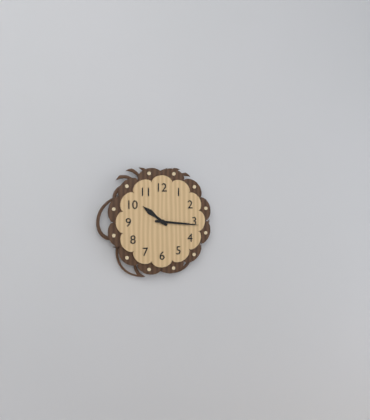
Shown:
10h16
